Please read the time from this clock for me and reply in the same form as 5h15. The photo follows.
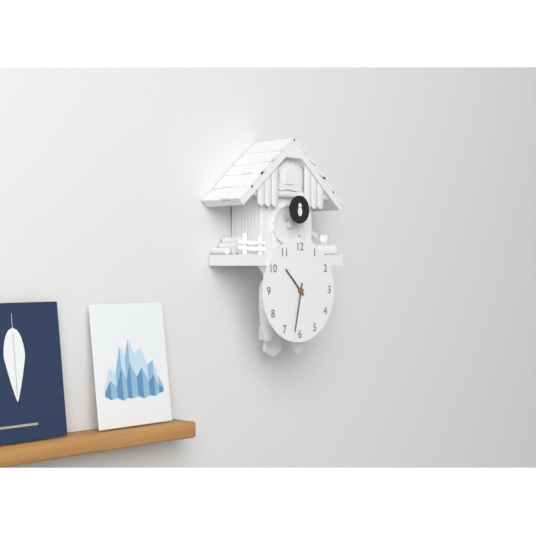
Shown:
10h32
